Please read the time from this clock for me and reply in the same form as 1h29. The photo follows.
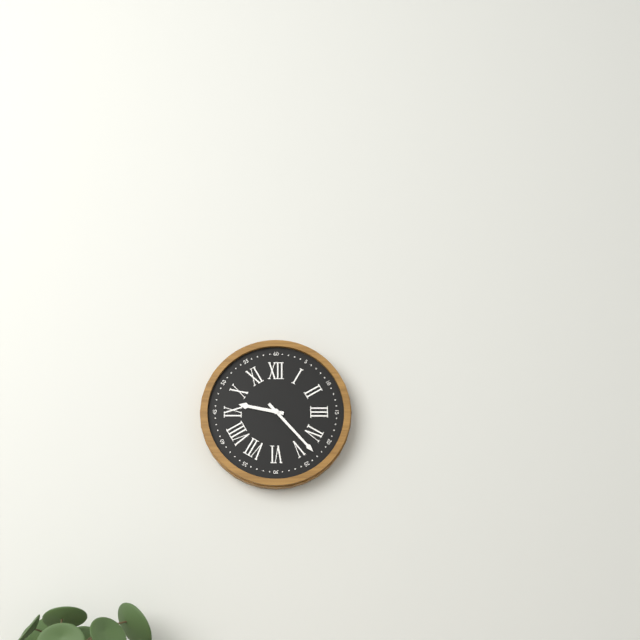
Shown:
9h23
